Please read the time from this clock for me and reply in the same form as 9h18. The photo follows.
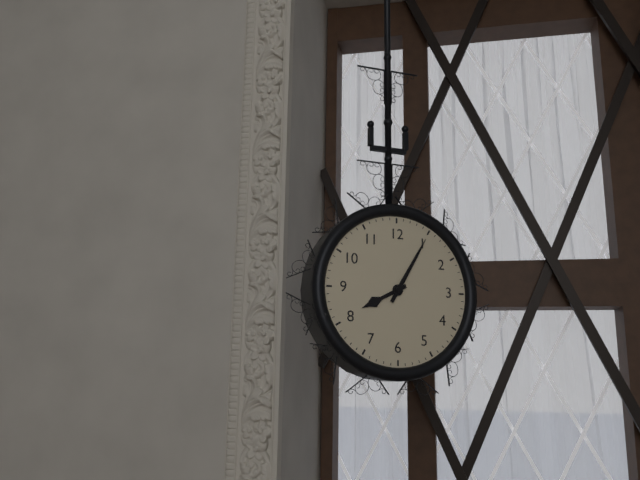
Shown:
8h05
